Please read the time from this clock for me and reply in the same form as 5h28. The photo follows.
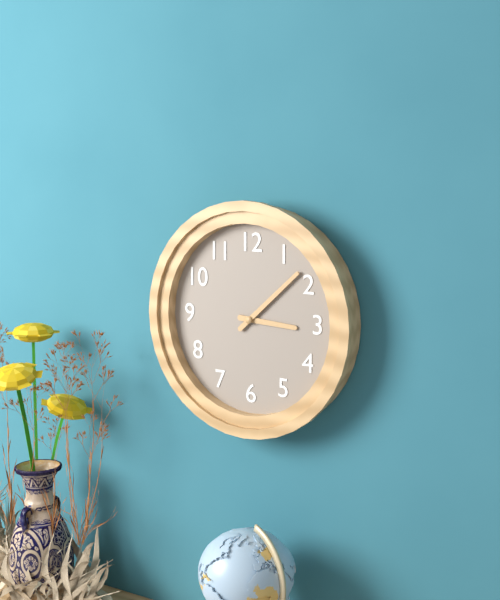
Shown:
3h08
